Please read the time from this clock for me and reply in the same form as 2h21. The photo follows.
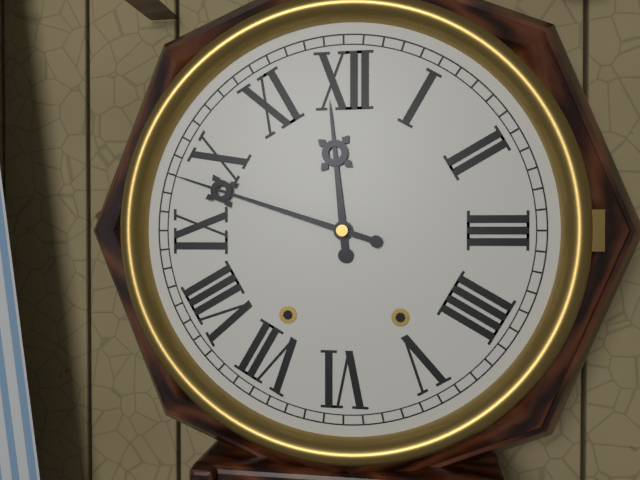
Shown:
11h48
